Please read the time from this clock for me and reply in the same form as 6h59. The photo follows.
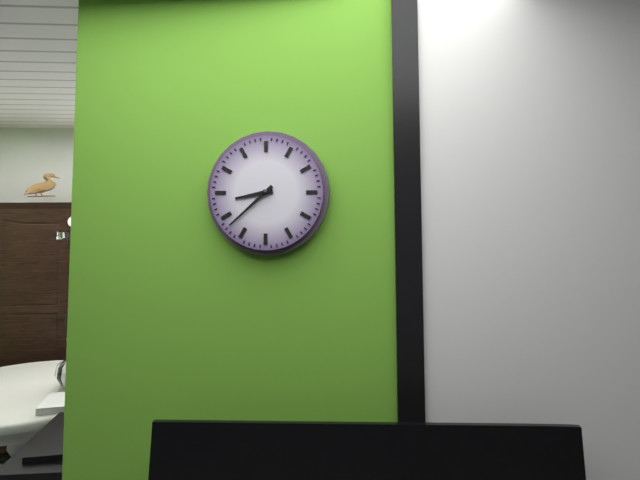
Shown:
8h38
